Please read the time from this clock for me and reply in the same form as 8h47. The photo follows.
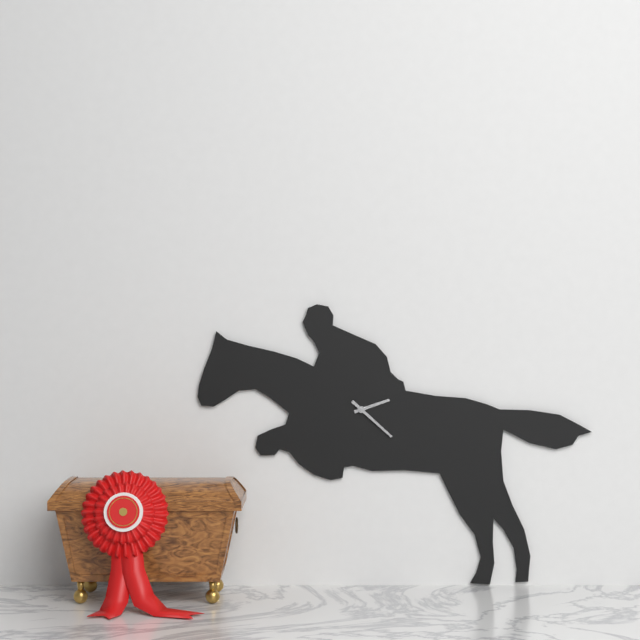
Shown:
2h22
